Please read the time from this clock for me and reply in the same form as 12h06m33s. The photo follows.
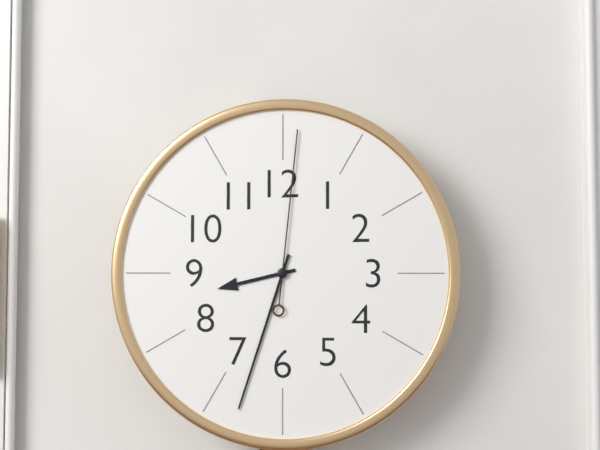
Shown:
8h33m01s
